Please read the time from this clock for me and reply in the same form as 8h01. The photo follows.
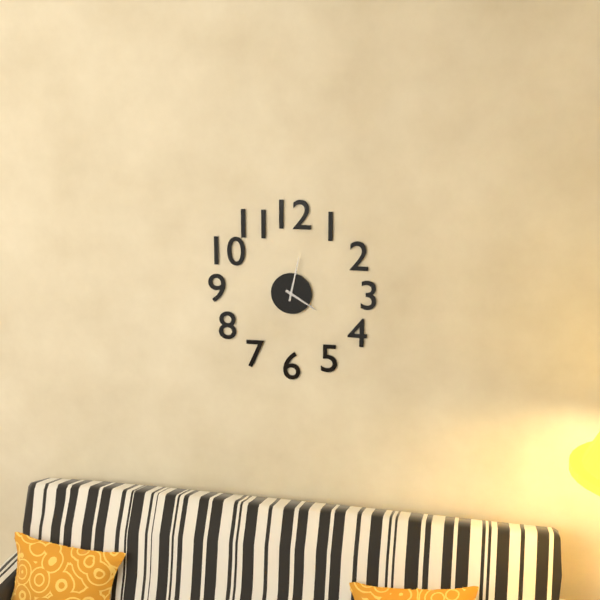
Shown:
4h02
